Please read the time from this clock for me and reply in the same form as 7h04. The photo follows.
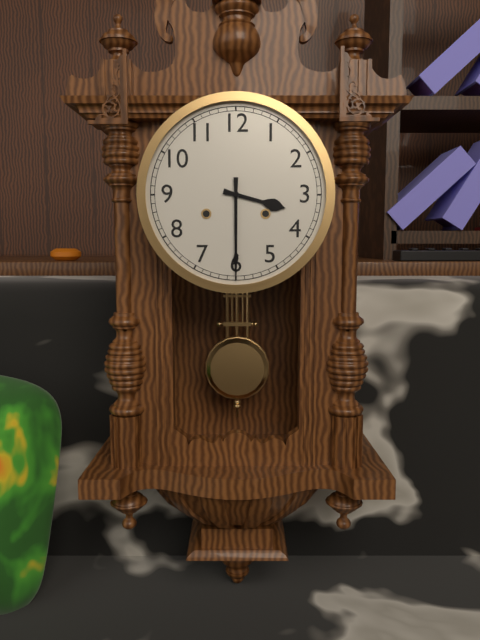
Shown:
3h30
